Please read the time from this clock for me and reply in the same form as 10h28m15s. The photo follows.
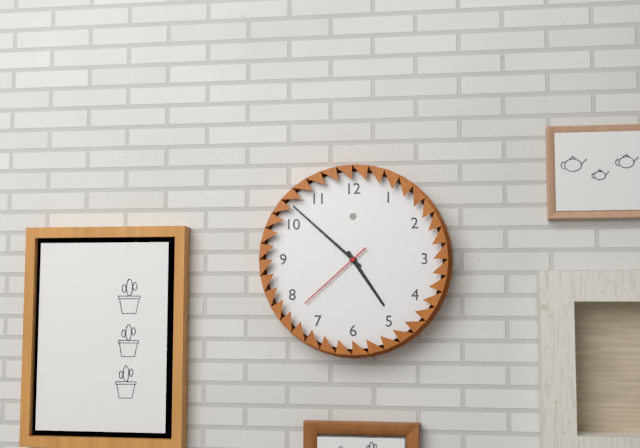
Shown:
4h52m38s
